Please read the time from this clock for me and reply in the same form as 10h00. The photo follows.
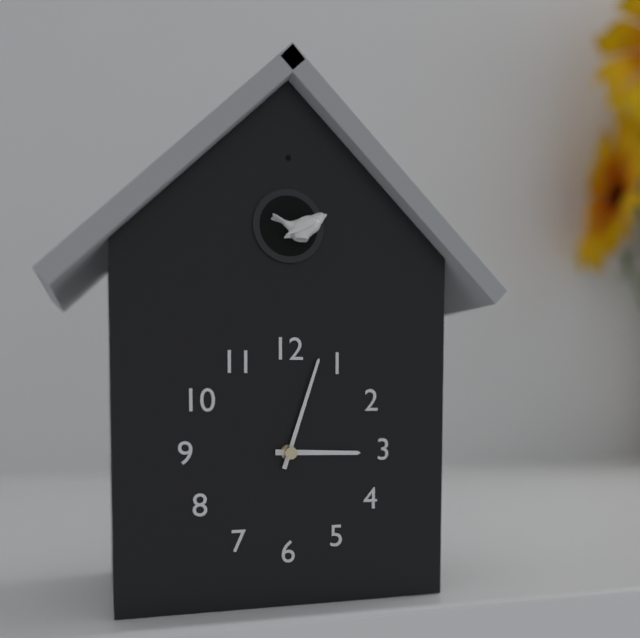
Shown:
3h03
